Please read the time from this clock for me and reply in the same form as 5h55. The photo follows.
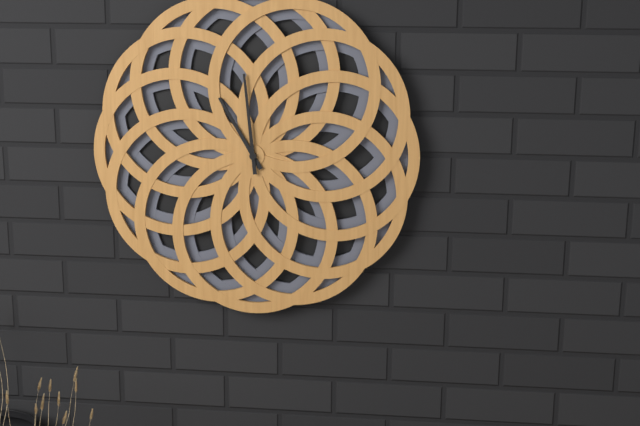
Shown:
10h59
